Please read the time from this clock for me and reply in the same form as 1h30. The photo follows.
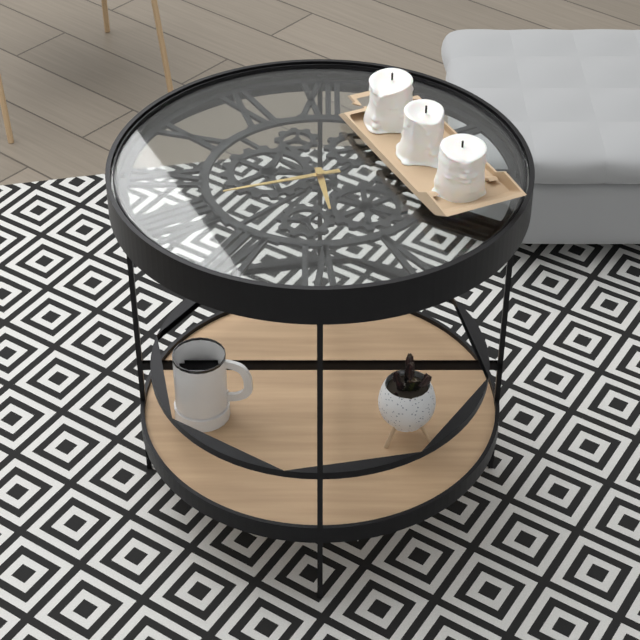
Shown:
5h42
